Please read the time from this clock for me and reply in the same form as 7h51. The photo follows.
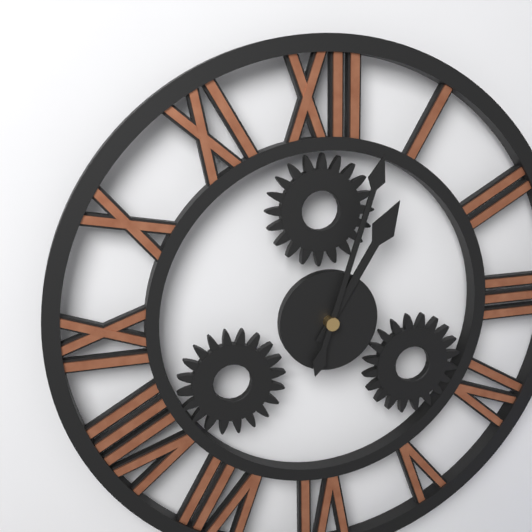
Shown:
1h03
